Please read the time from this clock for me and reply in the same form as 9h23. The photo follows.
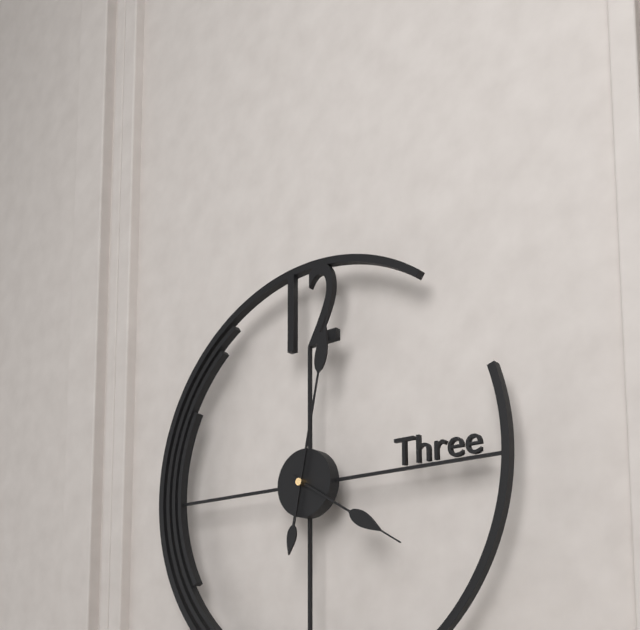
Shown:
4h02
